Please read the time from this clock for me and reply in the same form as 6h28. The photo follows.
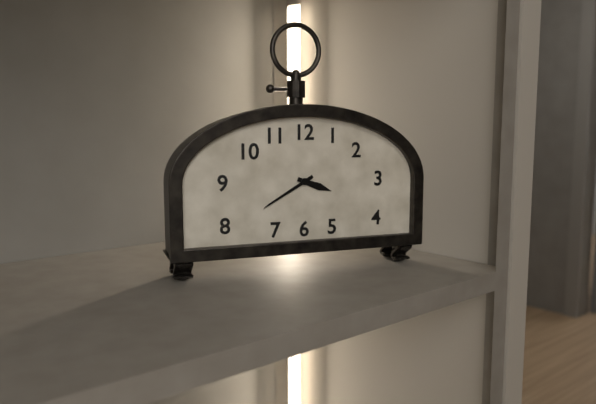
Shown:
3h40
